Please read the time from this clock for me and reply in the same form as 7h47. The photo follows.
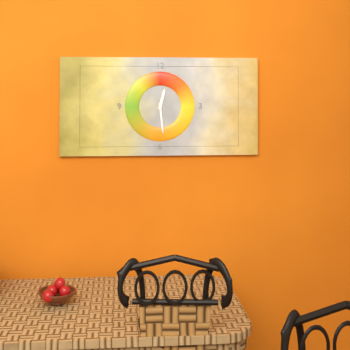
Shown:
12h29
